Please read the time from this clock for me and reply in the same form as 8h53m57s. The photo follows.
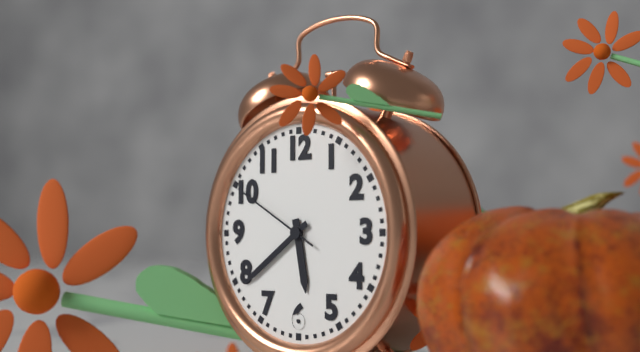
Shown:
5h39m50s
